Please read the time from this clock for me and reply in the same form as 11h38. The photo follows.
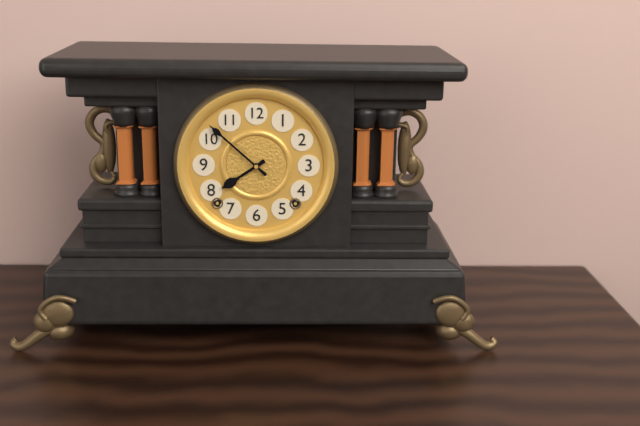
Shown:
7h52
